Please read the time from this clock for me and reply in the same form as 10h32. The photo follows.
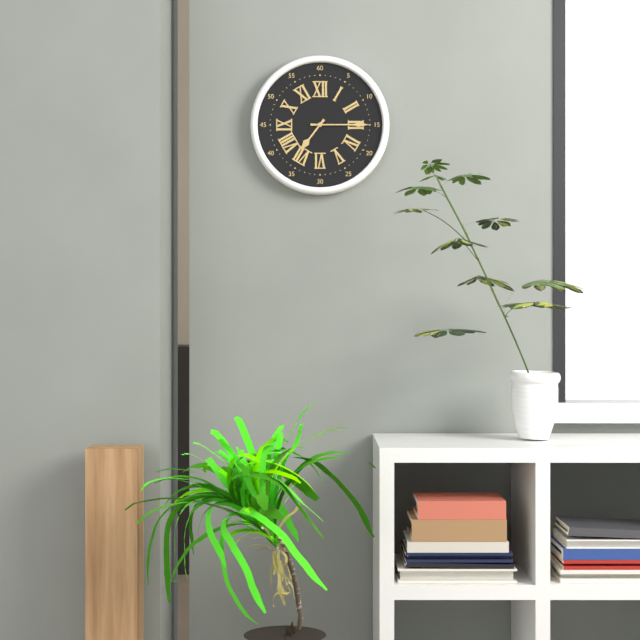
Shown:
7h15
